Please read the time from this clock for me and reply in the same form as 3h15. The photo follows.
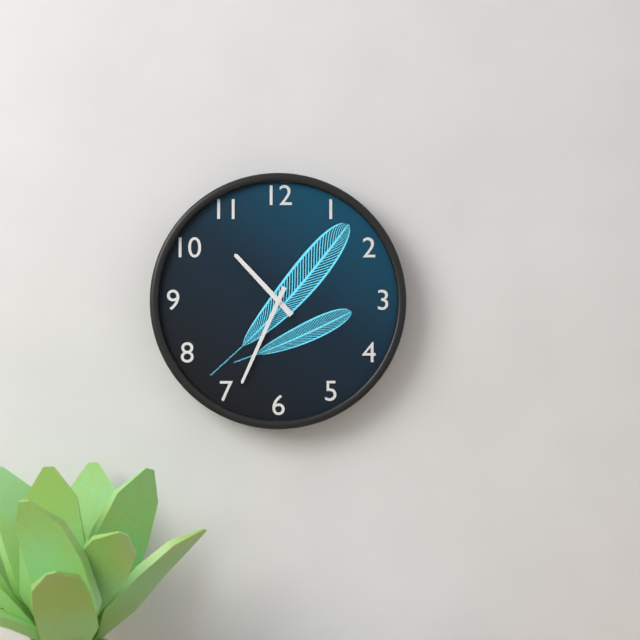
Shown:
10h34
